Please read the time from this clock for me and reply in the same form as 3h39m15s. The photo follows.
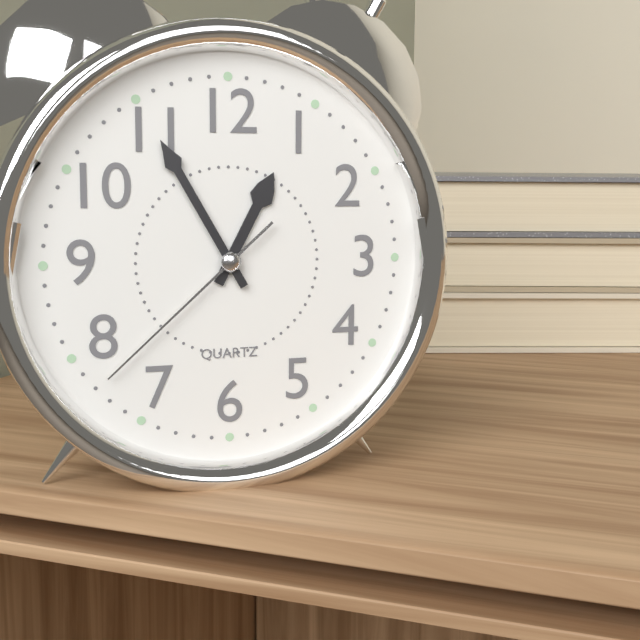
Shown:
12h55m38s
